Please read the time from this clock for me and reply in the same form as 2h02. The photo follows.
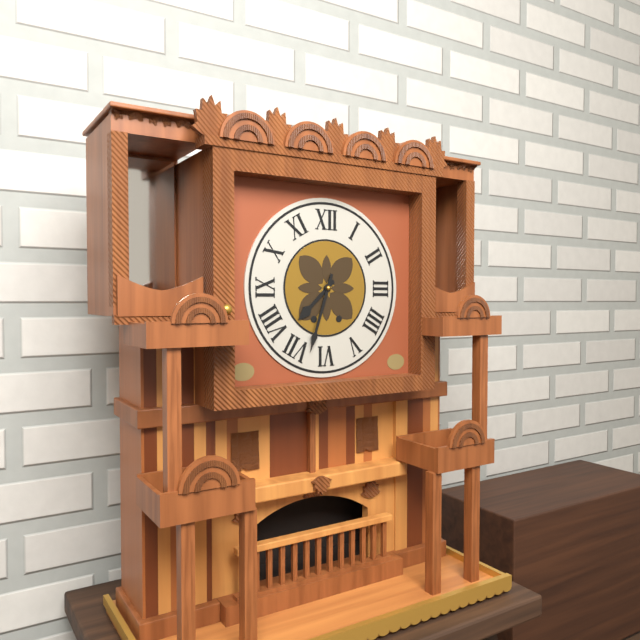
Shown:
7h33
